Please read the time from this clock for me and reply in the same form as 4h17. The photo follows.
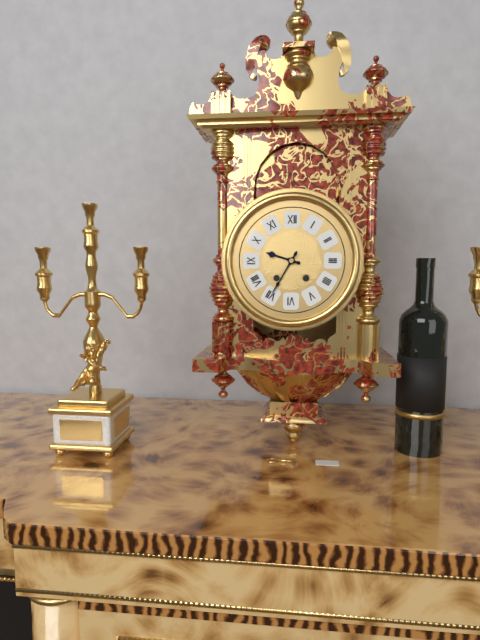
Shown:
9h35
